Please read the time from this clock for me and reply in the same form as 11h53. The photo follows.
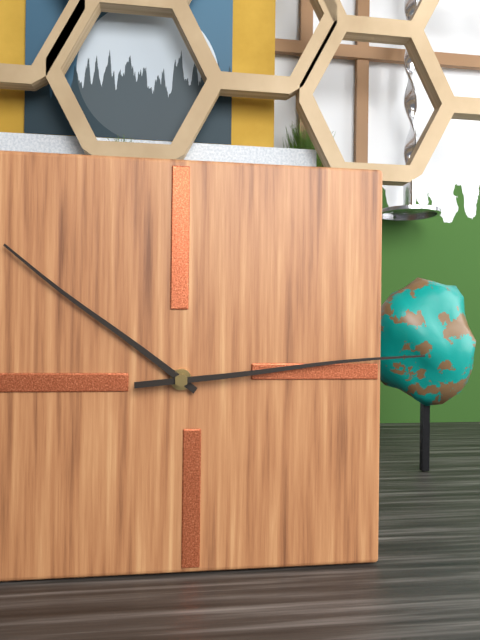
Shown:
10h14
